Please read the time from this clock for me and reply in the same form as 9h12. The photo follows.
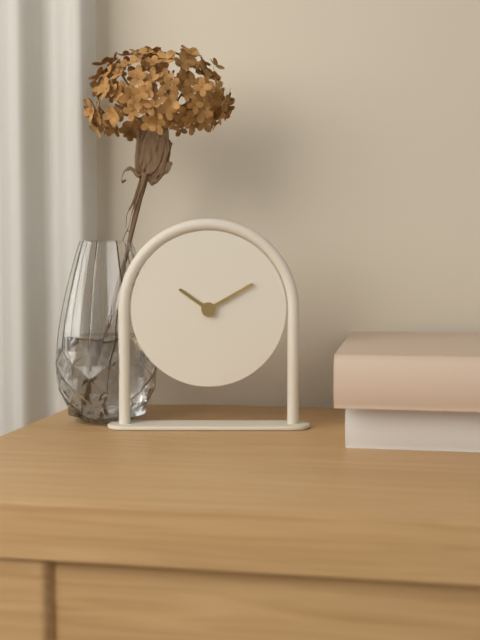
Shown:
10h10
